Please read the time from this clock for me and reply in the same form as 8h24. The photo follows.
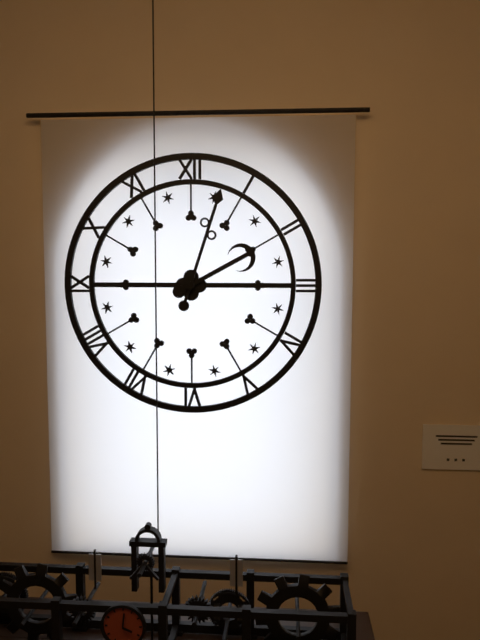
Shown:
2h03
